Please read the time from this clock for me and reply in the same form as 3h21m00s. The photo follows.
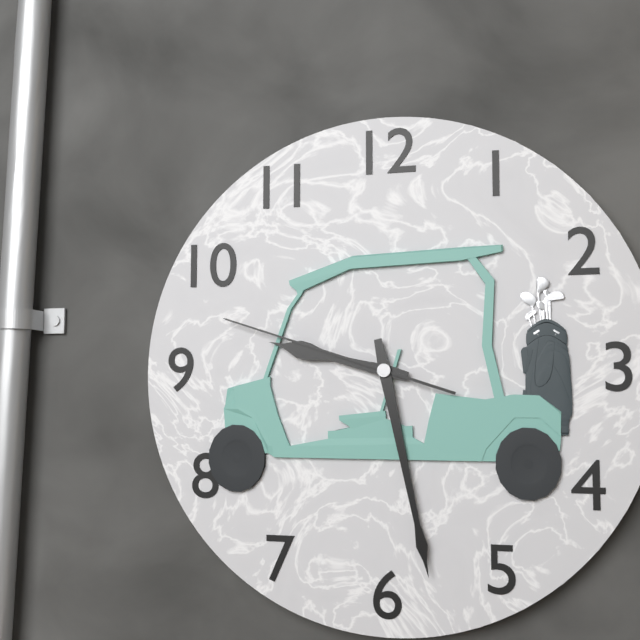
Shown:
9h28m48s
